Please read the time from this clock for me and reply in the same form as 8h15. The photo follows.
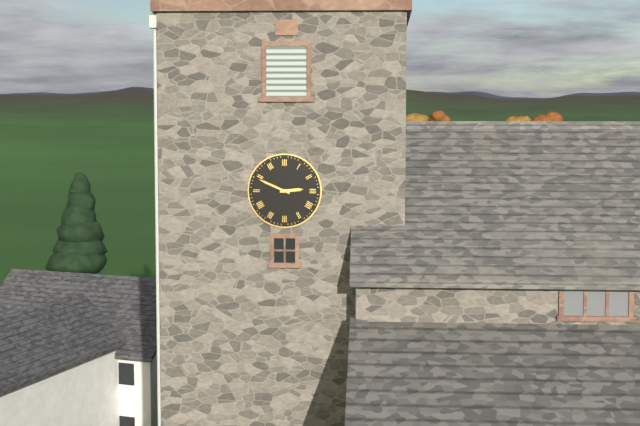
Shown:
2h49
